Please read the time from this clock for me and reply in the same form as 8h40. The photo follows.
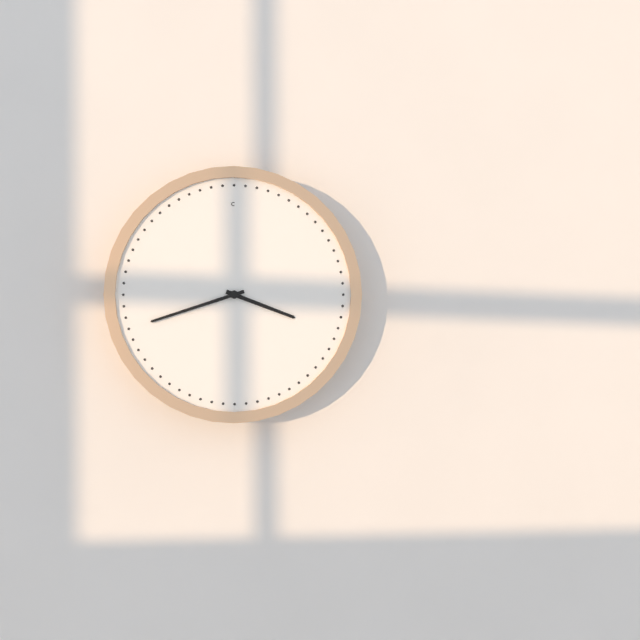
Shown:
3h42
